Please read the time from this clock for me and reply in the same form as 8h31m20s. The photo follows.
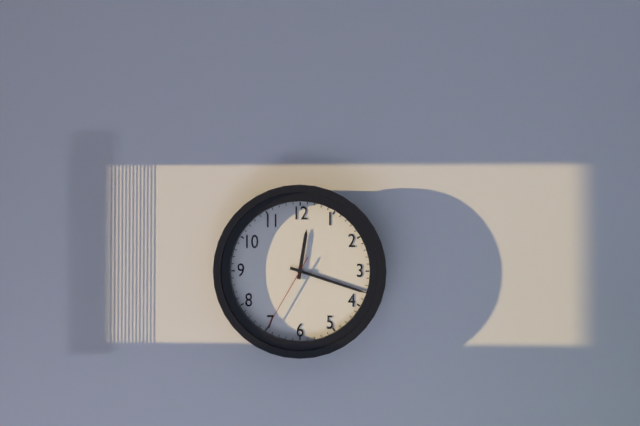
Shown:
12h18m35s
